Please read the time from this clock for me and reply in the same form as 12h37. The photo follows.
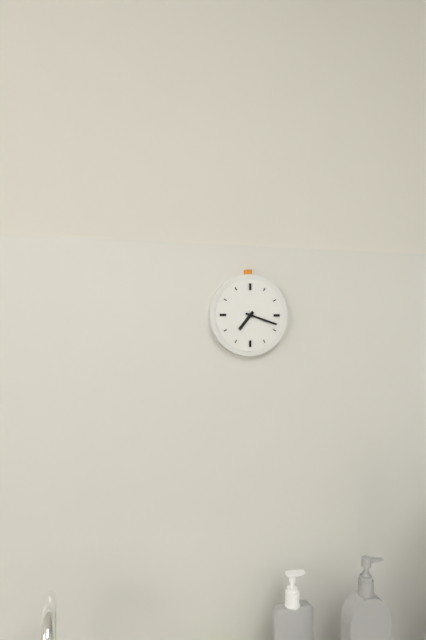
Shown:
7h18
